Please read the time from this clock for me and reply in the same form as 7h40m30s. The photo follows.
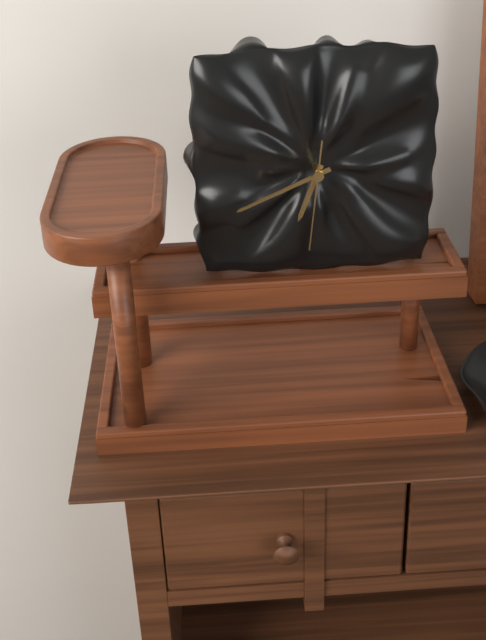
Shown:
6h41m31s
